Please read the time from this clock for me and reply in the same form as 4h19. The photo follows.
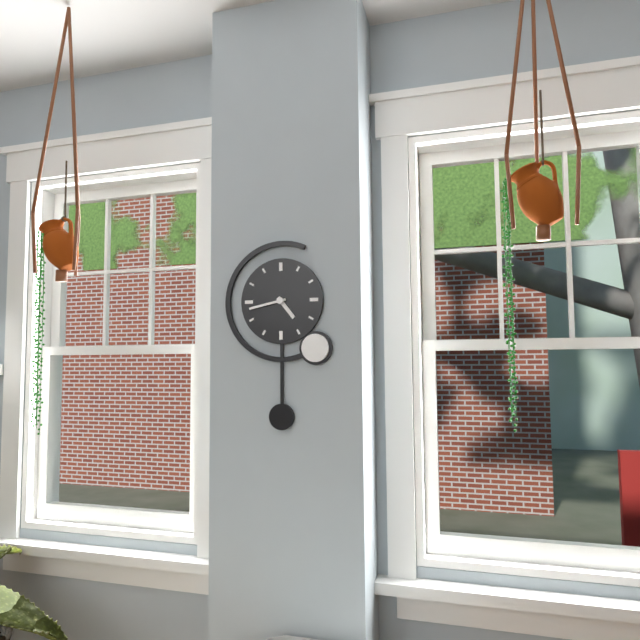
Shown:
4h43
